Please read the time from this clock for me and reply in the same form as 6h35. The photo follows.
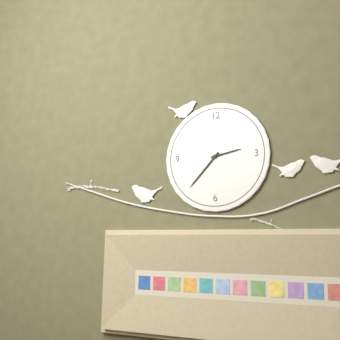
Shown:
2h37
